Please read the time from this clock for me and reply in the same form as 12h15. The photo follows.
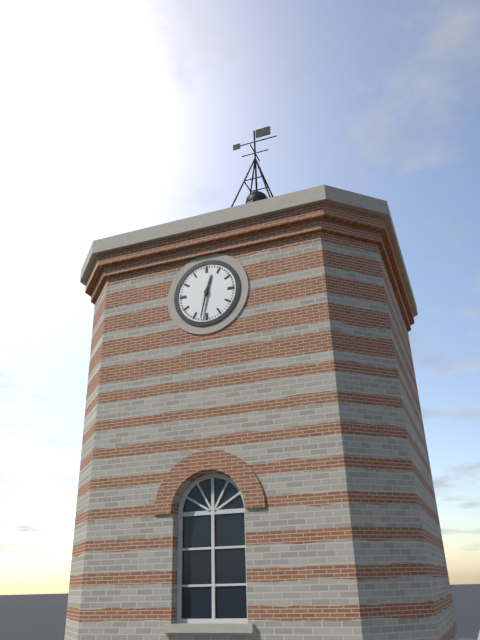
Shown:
12h32
